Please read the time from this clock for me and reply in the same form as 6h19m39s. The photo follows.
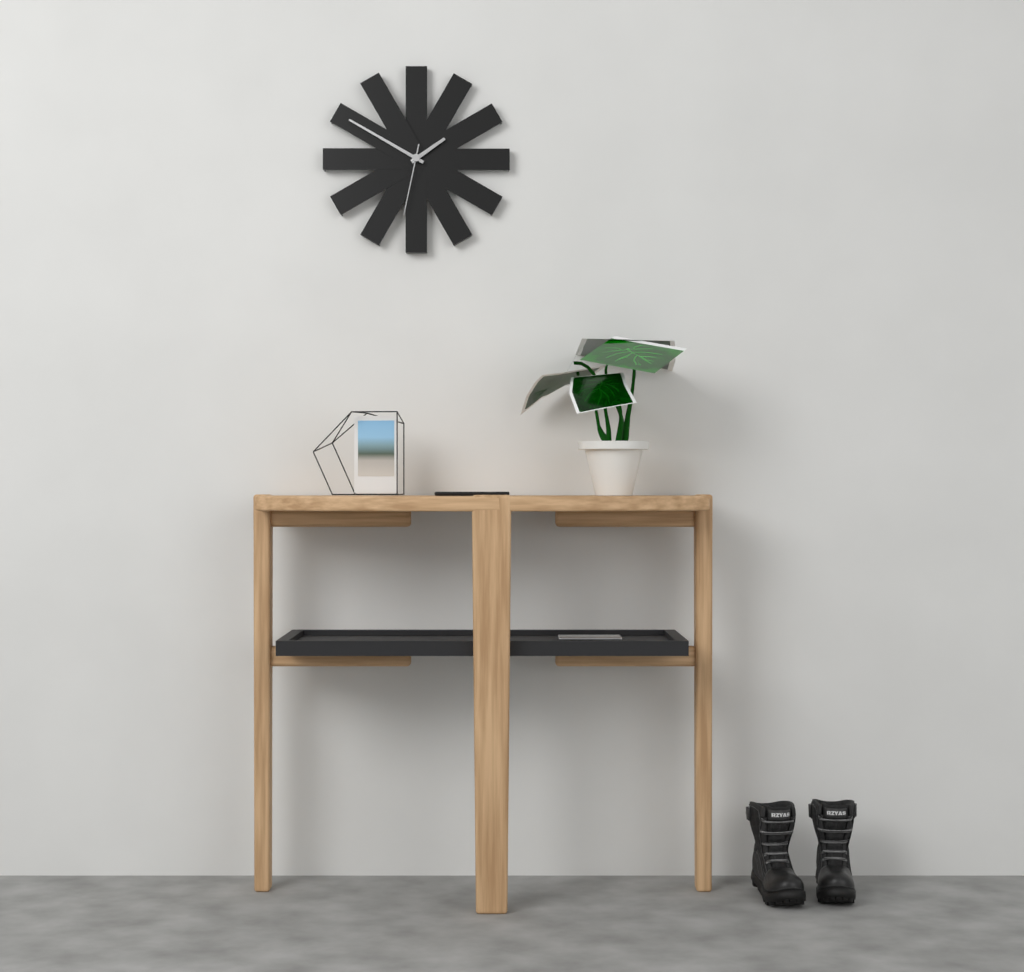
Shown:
1h50m32s
